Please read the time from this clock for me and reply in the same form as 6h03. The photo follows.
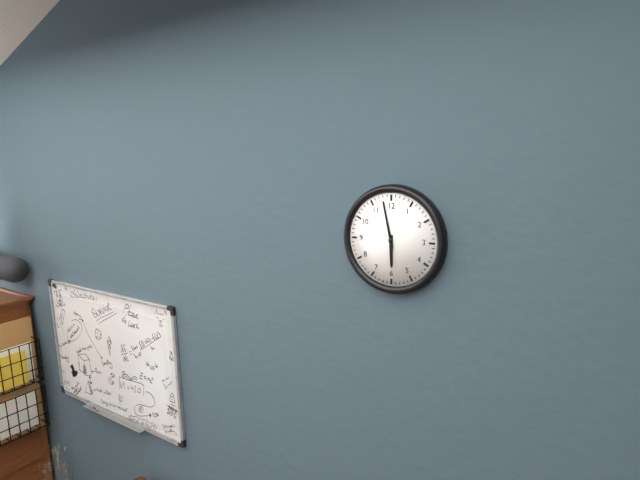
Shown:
5h58
